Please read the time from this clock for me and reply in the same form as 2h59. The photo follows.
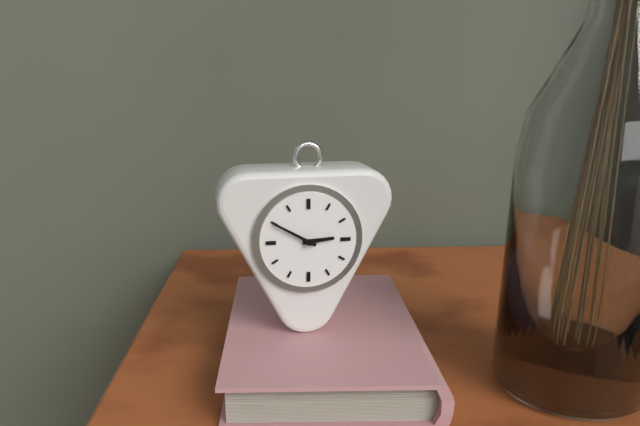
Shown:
2h50
